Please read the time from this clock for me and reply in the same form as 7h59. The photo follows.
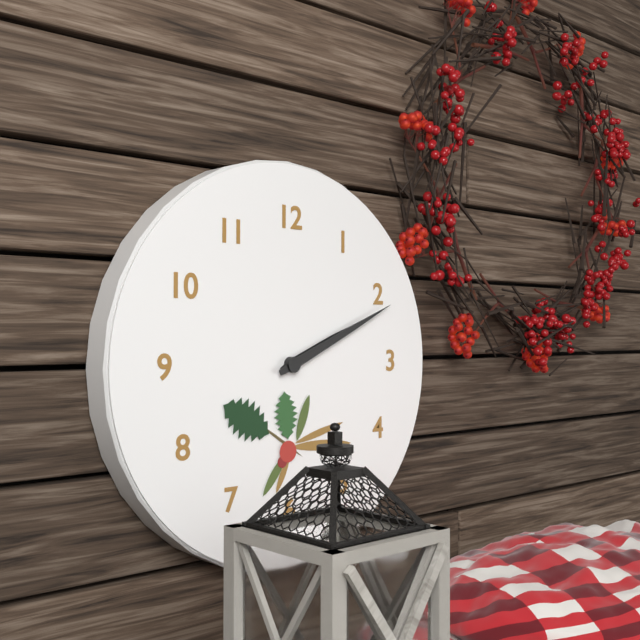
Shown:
2h11
